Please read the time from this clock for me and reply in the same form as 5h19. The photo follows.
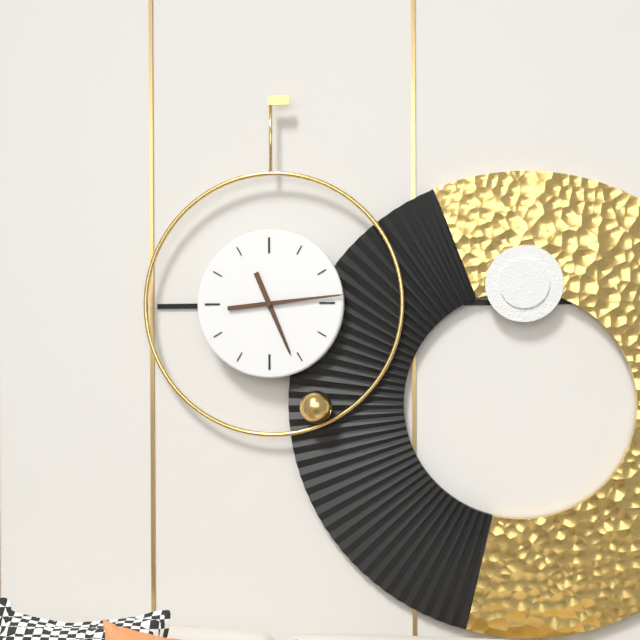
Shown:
5h14
